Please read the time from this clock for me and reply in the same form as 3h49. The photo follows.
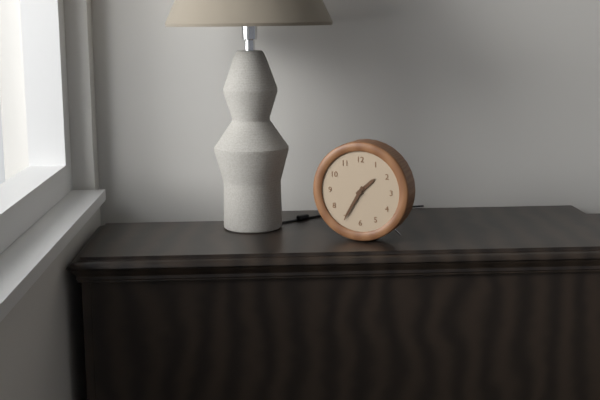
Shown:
1h35
